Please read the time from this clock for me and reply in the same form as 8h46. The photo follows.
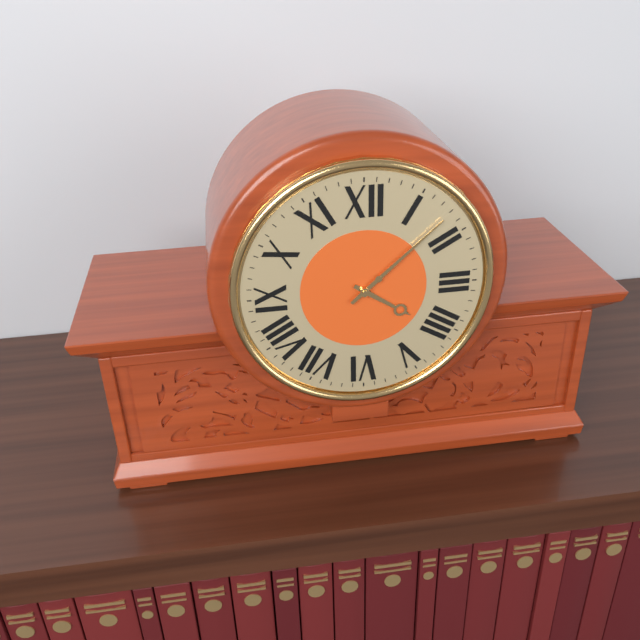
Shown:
4h08
